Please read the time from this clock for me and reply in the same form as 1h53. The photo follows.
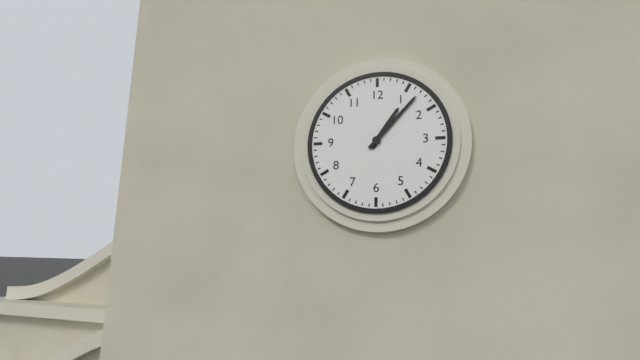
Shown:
1h07
